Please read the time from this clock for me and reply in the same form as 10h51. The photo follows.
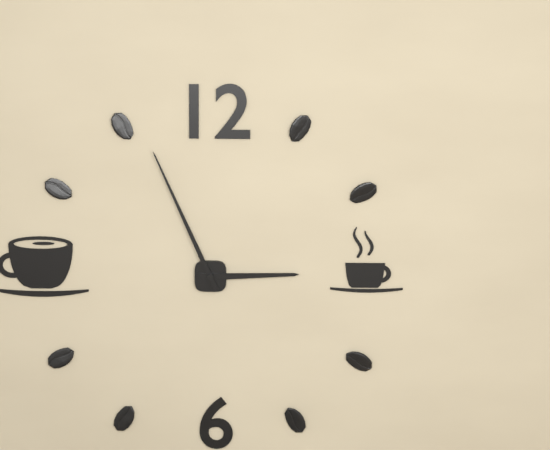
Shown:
2h56
